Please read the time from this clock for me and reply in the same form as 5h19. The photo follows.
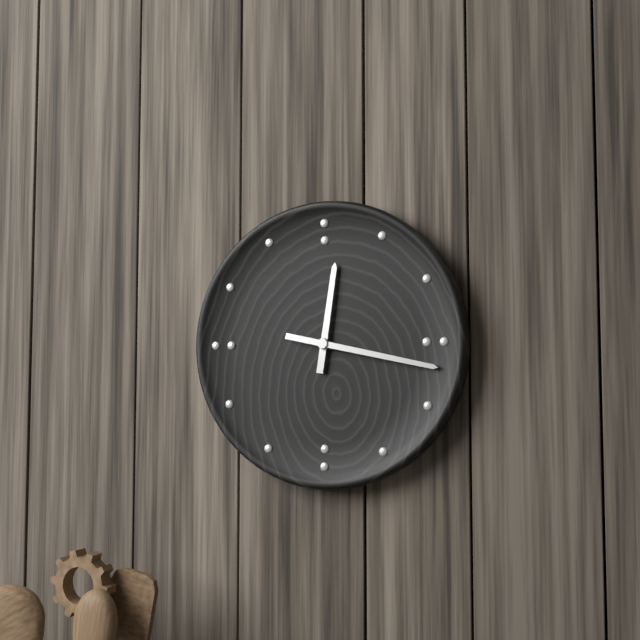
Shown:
12h17
